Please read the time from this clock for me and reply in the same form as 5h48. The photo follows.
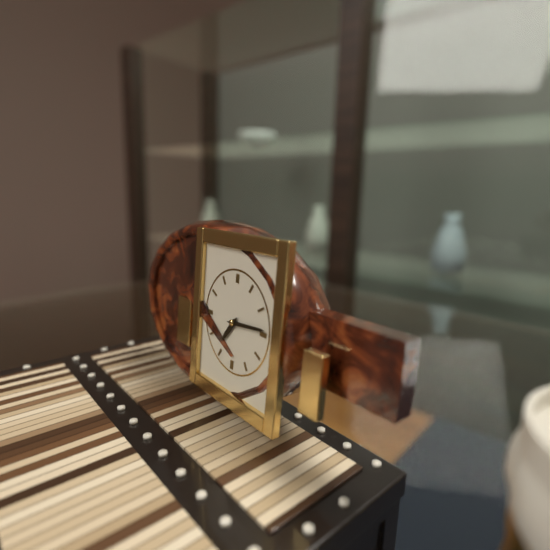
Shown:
7h14
